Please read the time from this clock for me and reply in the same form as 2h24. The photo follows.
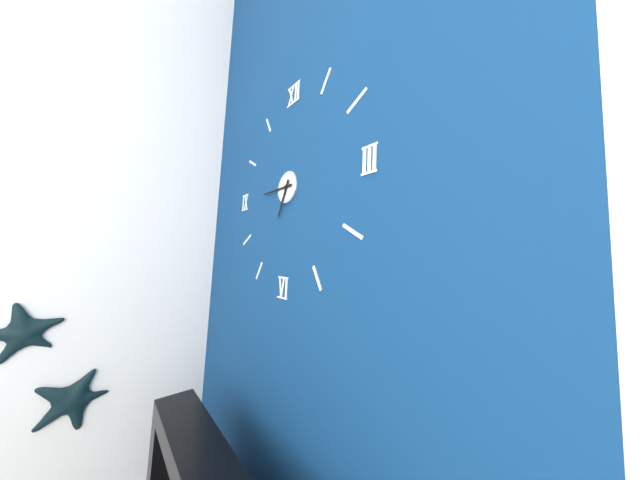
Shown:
6h45
